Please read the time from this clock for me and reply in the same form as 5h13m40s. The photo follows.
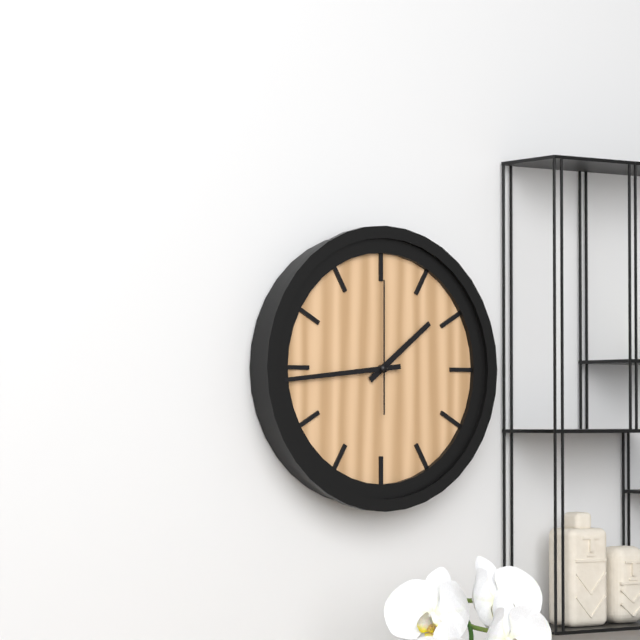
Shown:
1h44m00s
